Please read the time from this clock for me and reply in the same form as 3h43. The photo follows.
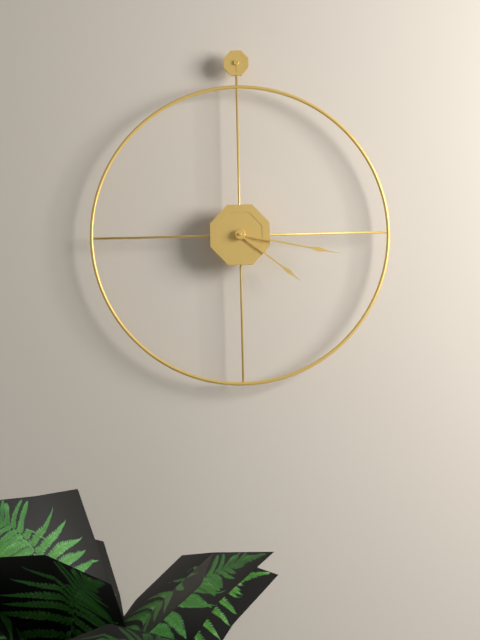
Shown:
4h17
